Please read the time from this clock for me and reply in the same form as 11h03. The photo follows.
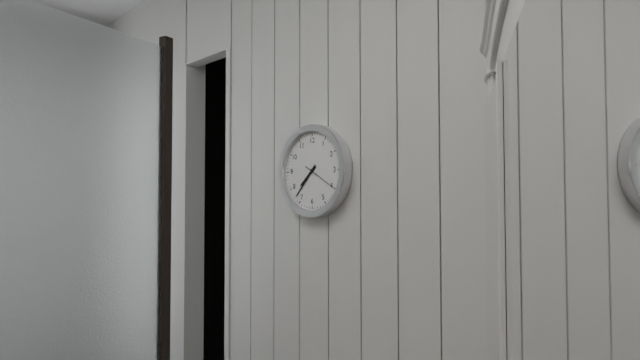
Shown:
7h37
